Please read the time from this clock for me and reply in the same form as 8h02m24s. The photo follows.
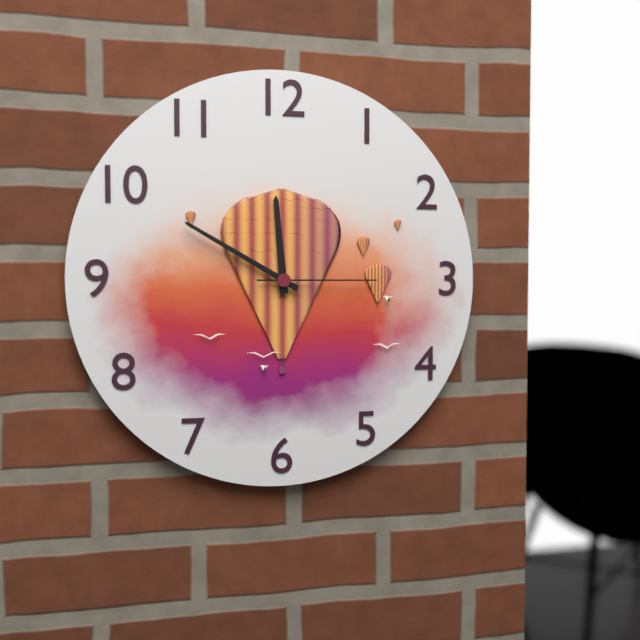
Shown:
11h50m15s
